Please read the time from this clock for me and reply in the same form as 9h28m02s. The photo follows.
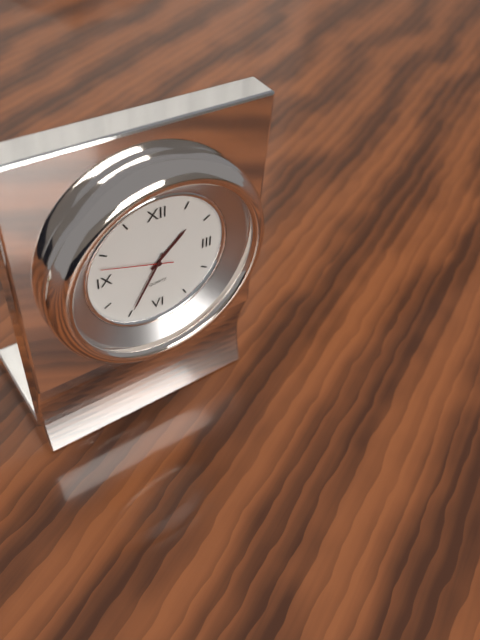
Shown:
1h35m48s
